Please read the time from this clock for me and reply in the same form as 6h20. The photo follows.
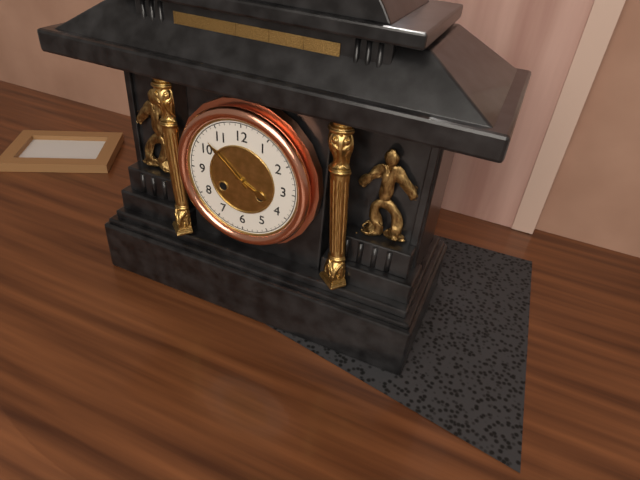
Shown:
3h52
